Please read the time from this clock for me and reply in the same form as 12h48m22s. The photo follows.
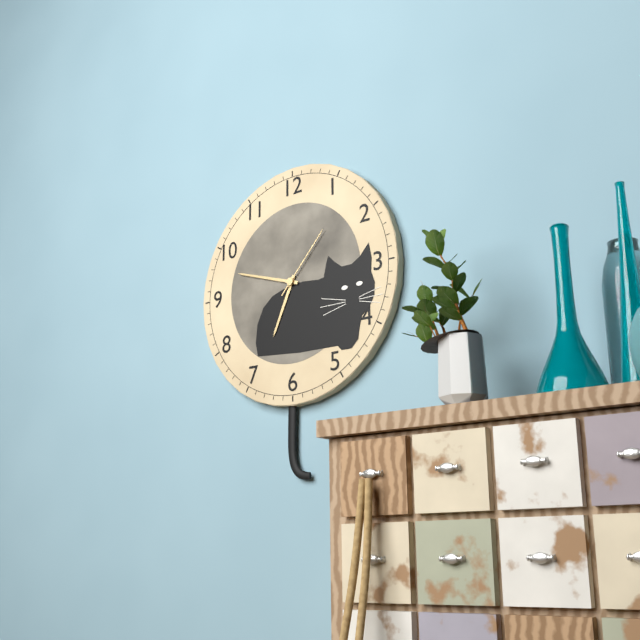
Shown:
6h48m07s
